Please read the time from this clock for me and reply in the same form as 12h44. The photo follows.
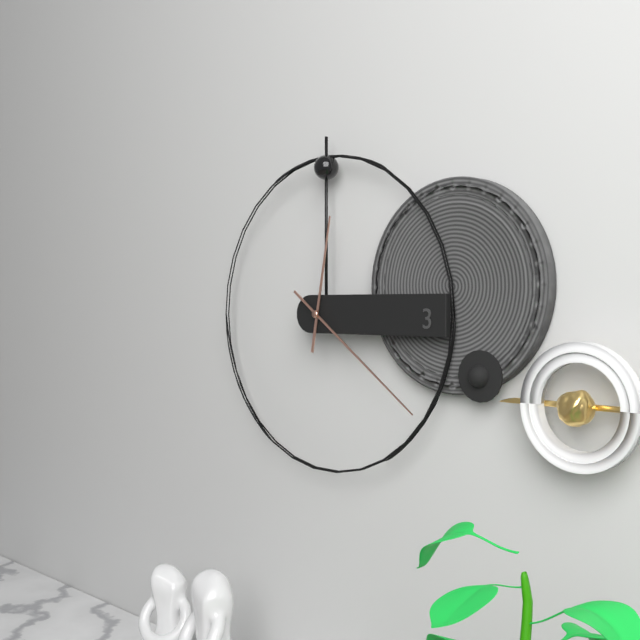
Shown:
12h21
